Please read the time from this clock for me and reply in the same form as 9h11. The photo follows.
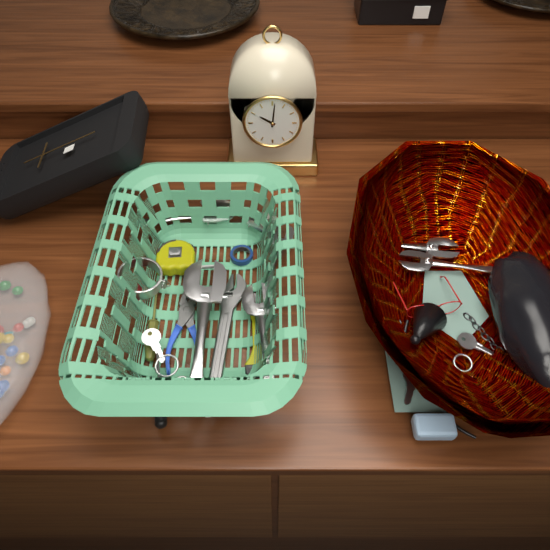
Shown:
10h01
